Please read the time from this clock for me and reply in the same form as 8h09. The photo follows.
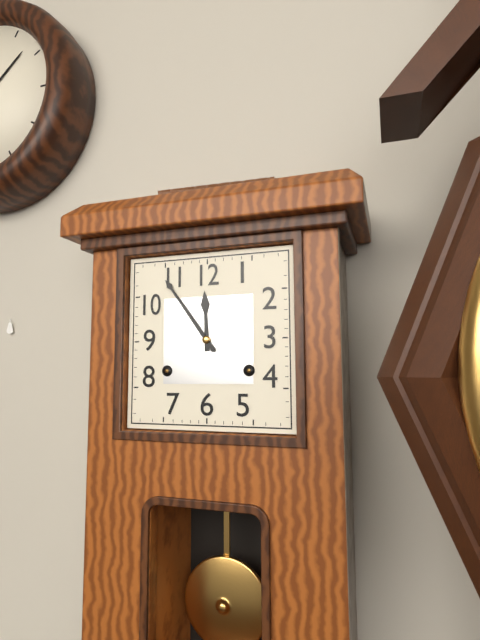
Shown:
11h54
